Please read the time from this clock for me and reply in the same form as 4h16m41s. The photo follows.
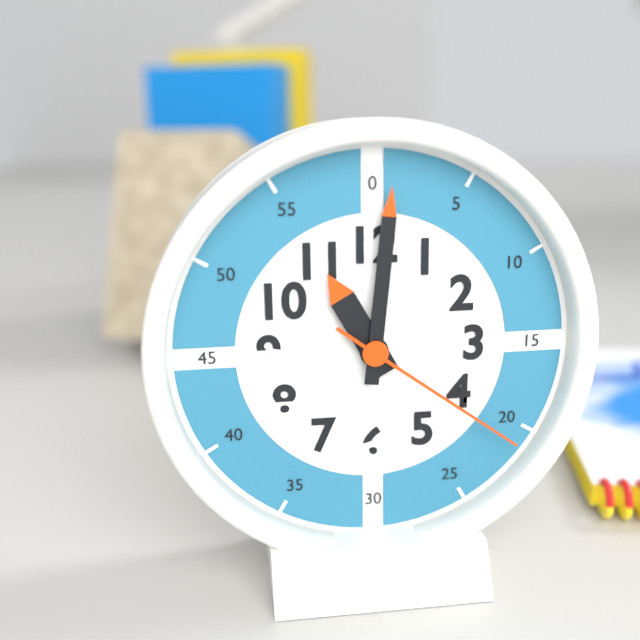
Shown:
11h01m21s
